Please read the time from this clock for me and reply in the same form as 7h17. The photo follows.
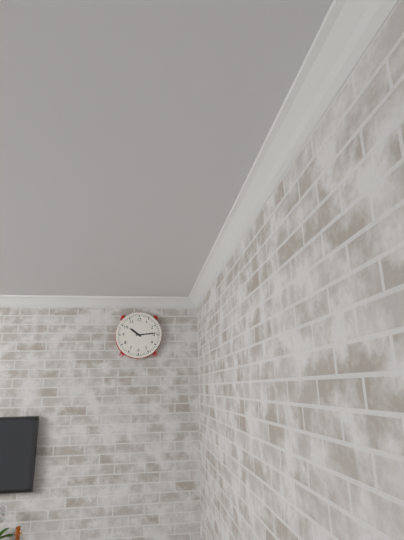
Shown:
10h14
